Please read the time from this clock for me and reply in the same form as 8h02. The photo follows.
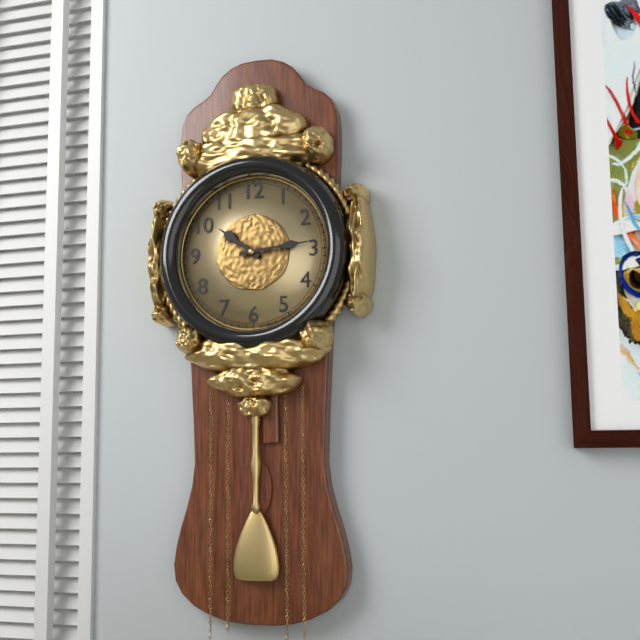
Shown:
10h14
